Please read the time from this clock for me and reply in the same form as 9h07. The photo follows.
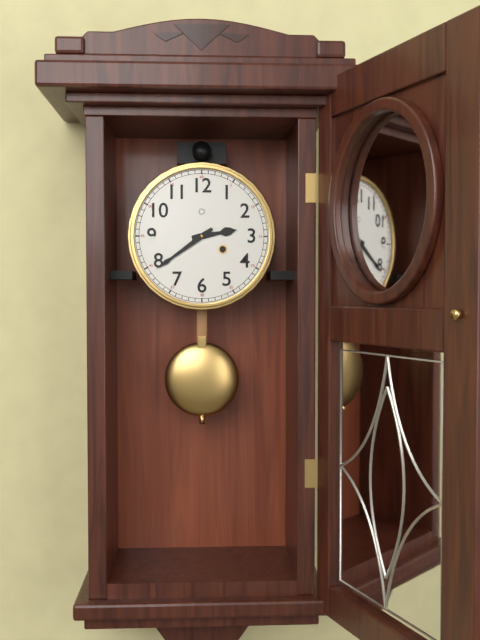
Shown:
2h39
